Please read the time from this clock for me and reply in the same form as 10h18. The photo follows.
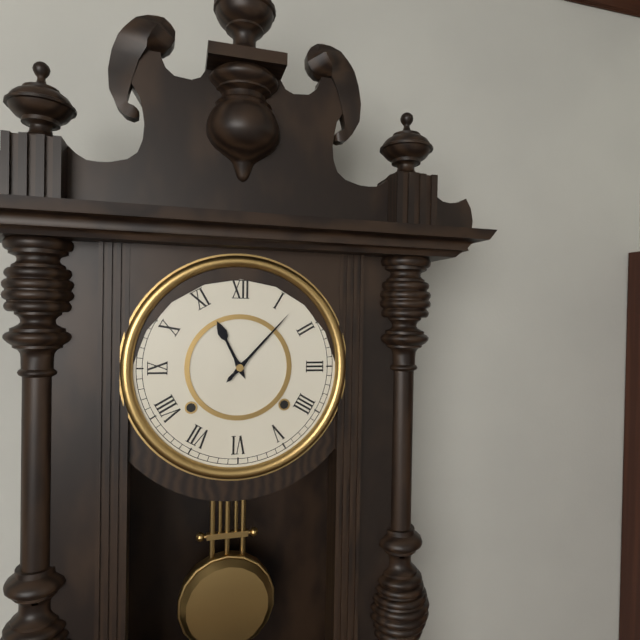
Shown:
11h07
